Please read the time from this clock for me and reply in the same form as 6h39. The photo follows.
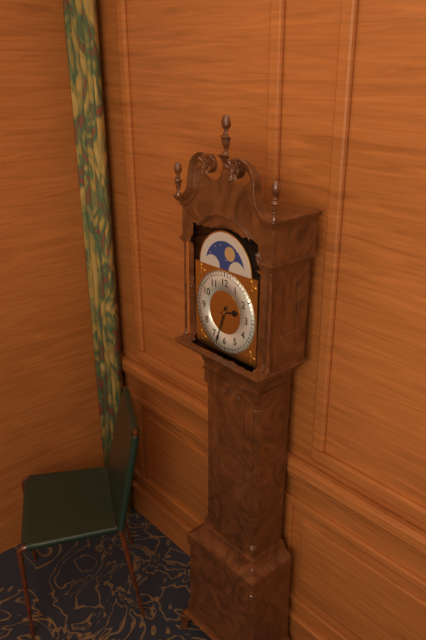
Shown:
2h33
